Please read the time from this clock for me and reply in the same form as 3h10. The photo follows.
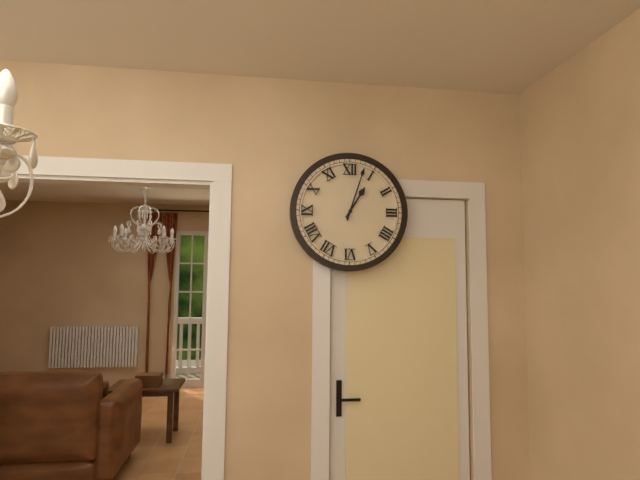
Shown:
1h03
